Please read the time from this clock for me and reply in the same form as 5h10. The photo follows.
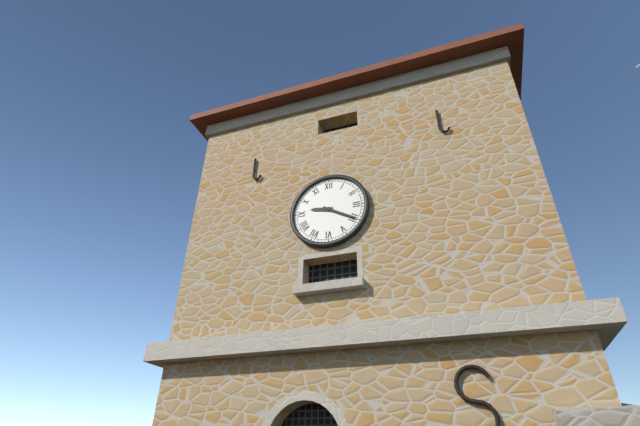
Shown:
9h20
